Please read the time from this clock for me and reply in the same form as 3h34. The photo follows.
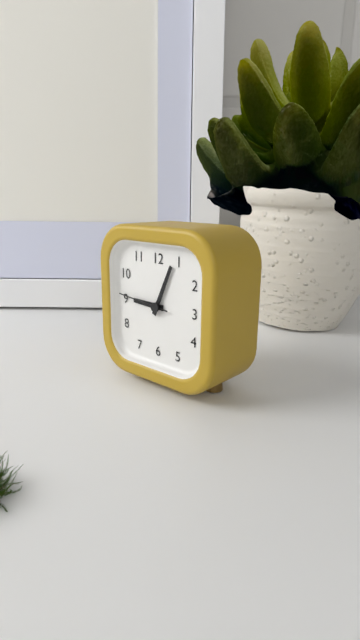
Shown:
9h04
